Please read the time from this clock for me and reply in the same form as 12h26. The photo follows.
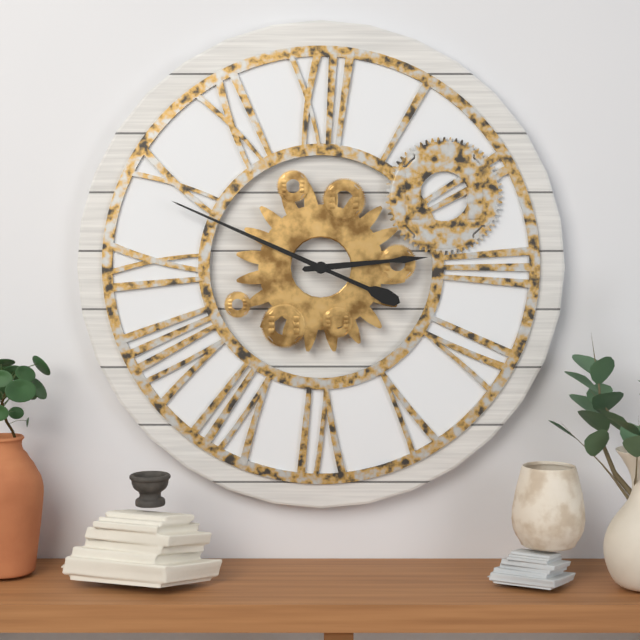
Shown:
2h49
